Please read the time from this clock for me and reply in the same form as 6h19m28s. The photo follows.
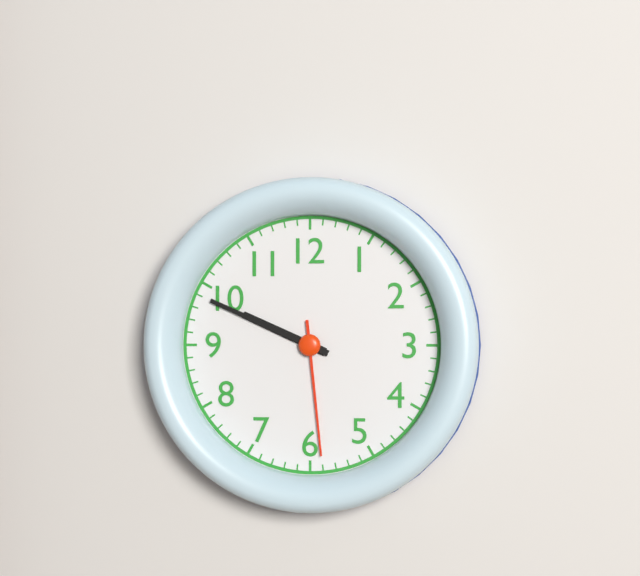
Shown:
9h49m29s
